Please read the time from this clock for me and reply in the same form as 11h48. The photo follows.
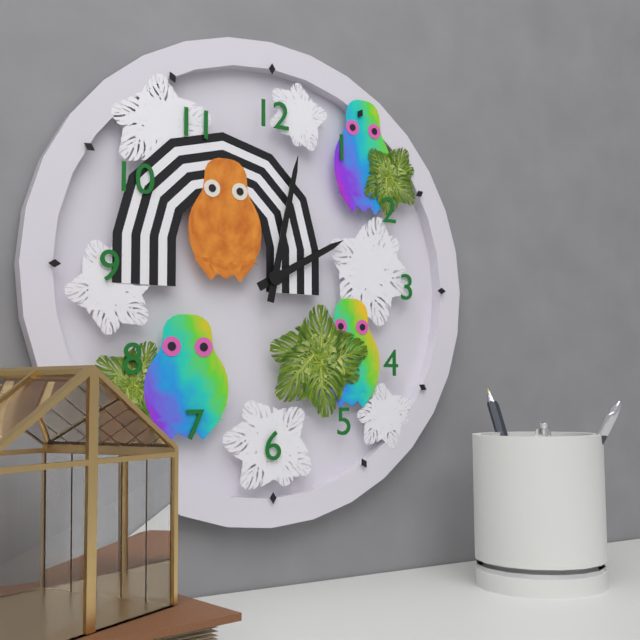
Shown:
2h02
